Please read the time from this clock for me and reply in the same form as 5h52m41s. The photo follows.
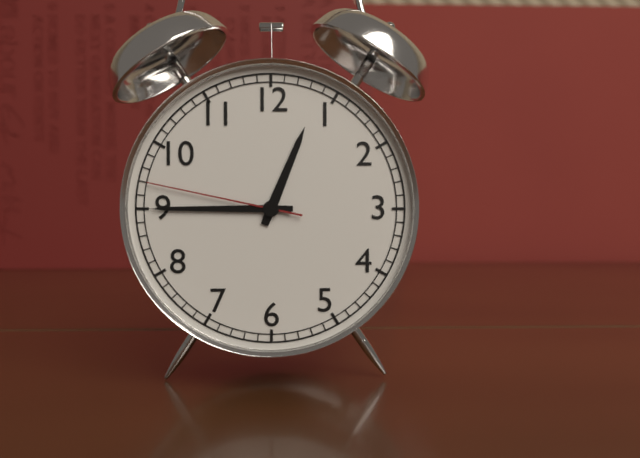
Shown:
12h45m47s
